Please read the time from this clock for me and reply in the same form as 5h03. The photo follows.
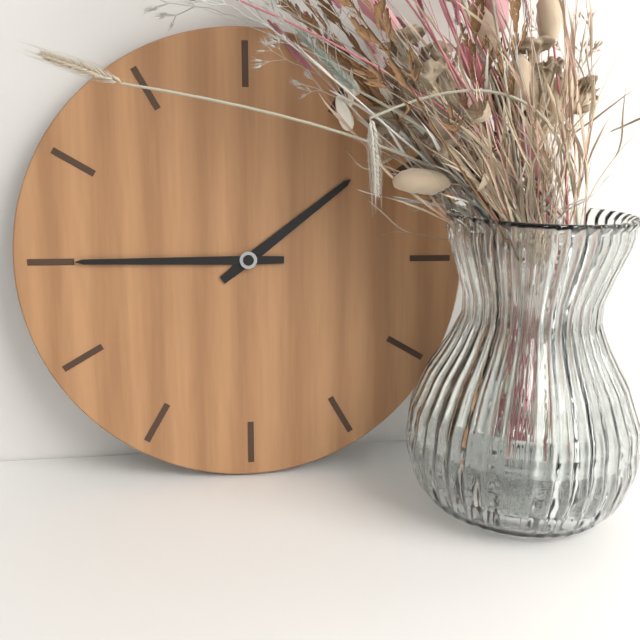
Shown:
1h45
